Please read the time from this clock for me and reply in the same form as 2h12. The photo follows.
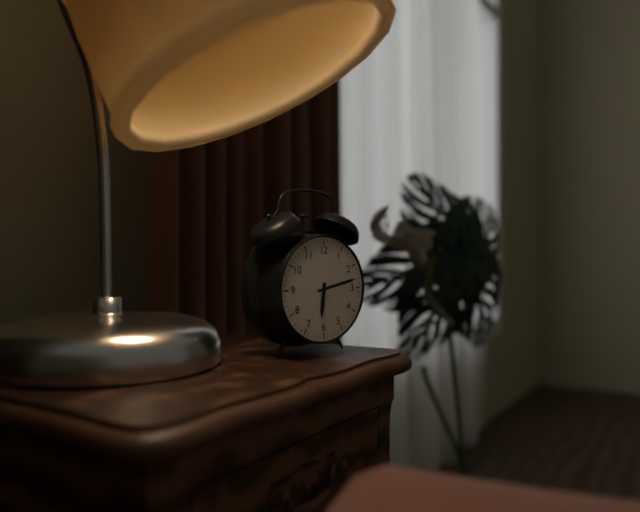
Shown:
6h13
